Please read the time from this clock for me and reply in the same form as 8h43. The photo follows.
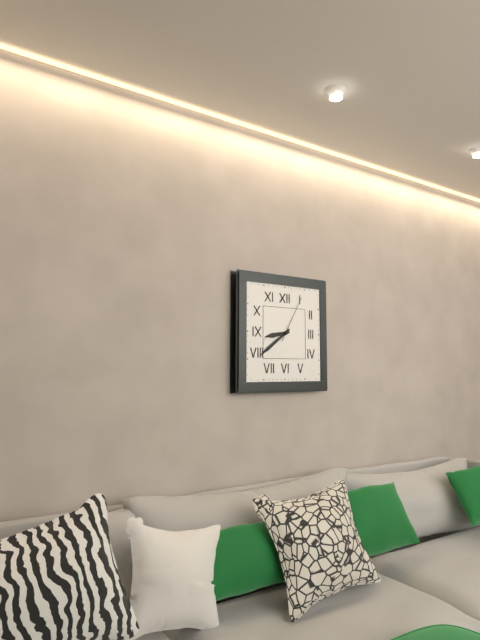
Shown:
8h39
